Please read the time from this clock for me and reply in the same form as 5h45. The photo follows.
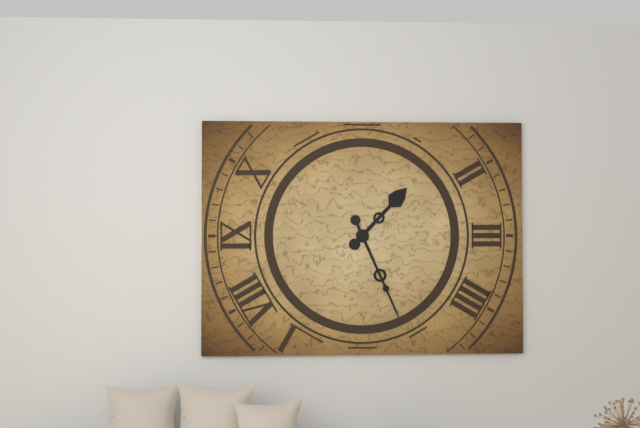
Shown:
1h26
